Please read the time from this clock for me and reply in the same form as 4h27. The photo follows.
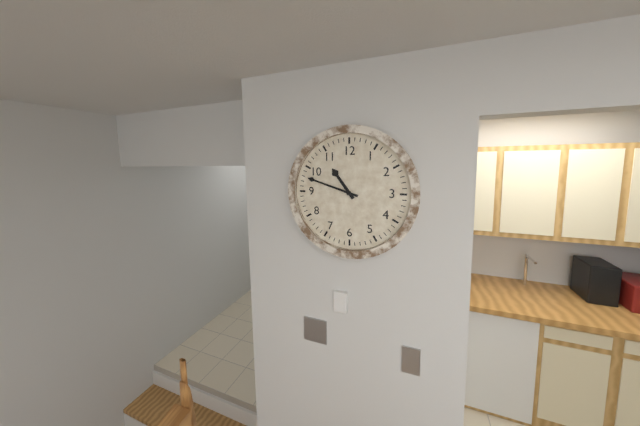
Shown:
10h48
